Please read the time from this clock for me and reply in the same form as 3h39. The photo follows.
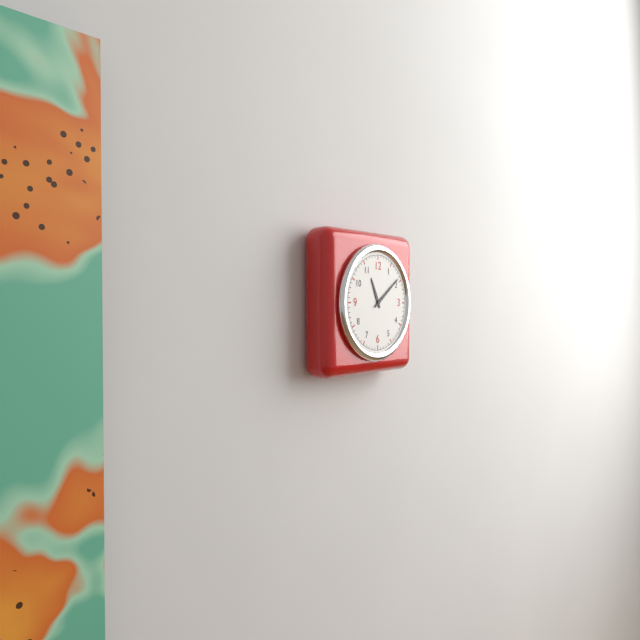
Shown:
11h09
